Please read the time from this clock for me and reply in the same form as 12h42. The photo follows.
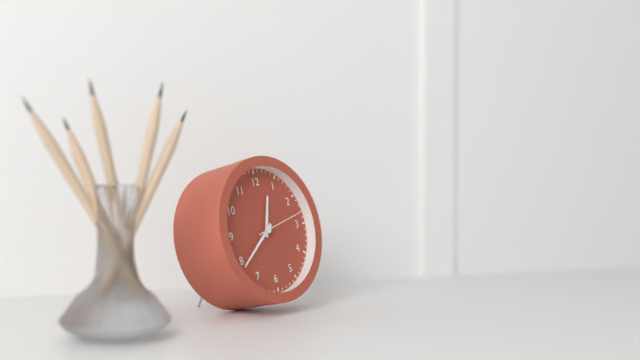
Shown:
12h39
